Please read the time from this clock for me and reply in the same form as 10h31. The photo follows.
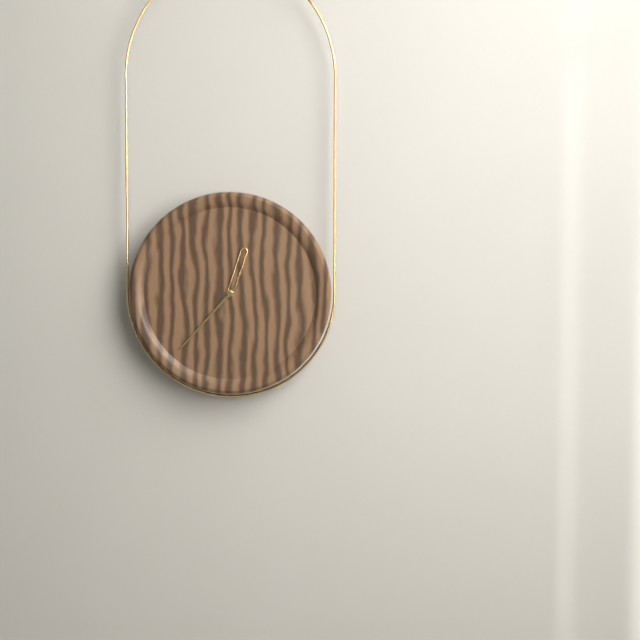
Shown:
12h37
